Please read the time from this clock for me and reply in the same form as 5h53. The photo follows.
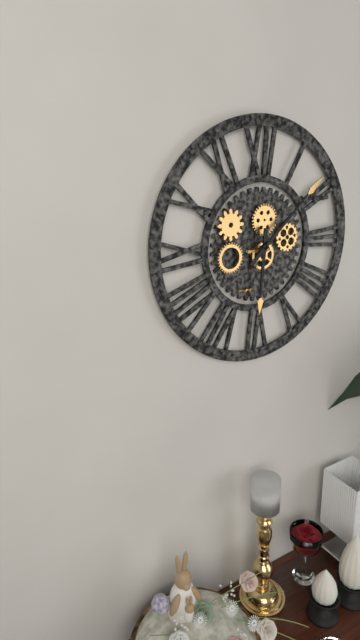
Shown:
6h08
